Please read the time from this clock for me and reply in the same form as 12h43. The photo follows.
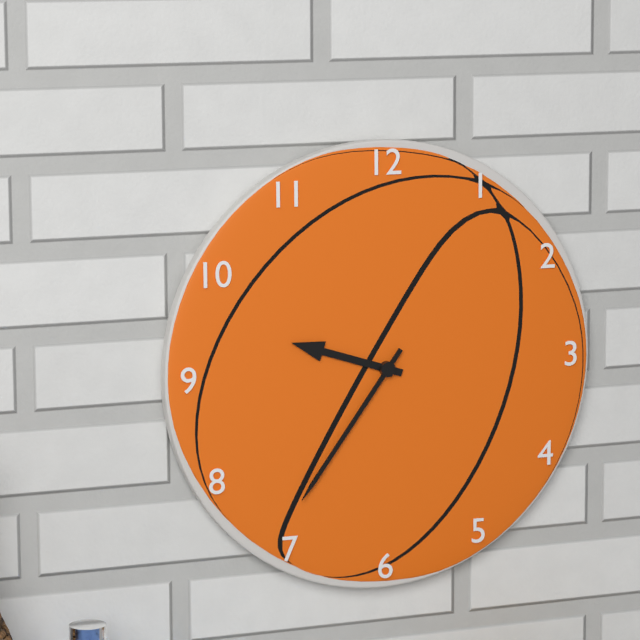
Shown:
9h36
